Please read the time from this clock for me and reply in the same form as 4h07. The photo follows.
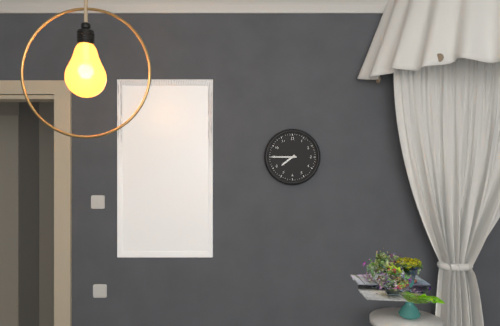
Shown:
7h45
